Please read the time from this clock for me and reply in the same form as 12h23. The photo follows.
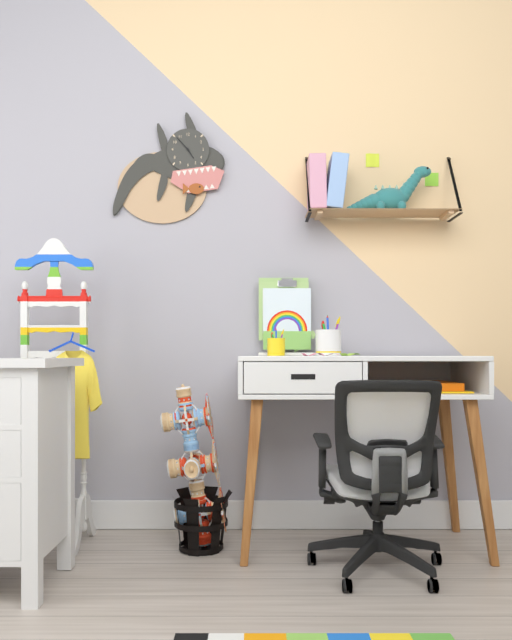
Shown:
4h53
